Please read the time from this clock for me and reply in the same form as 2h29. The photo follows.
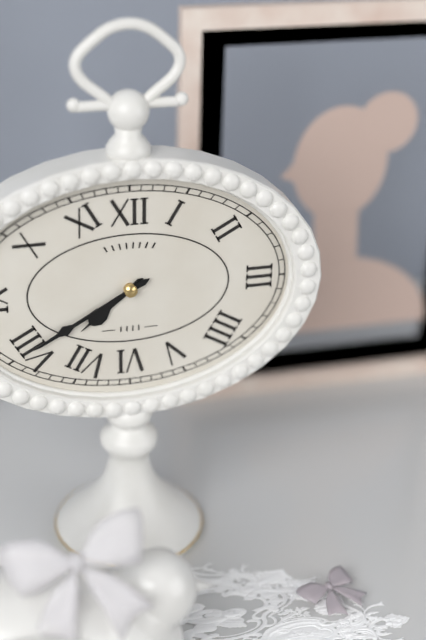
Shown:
7h40
